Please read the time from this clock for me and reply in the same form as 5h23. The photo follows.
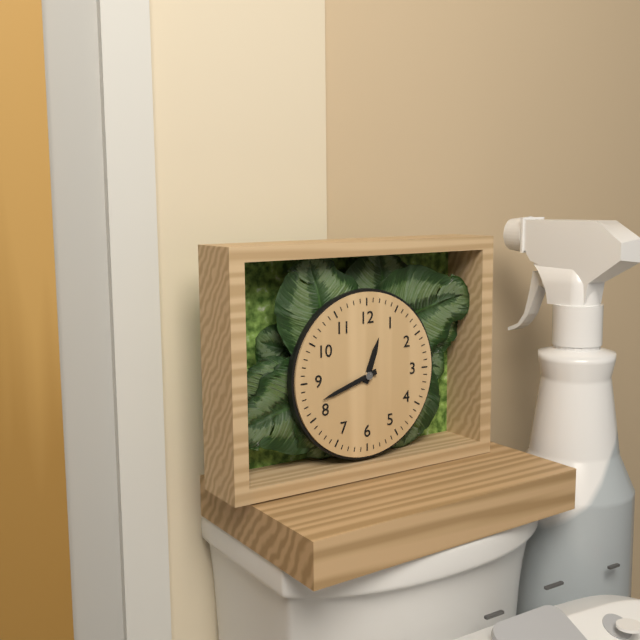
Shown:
12h42
